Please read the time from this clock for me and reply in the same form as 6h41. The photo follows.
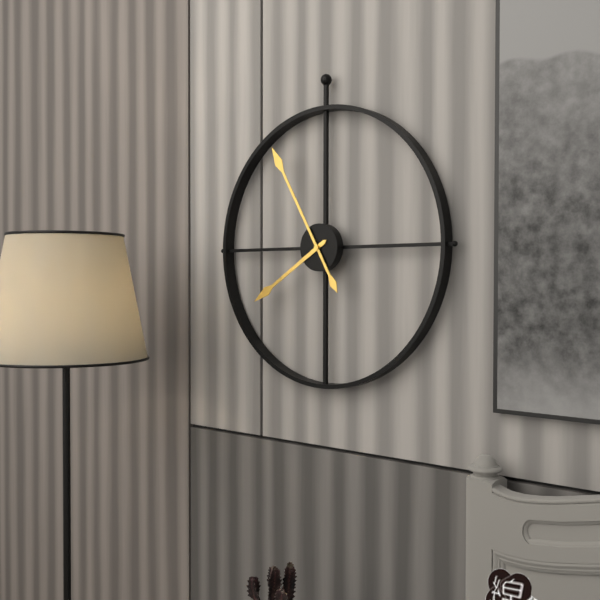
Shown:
7h55
